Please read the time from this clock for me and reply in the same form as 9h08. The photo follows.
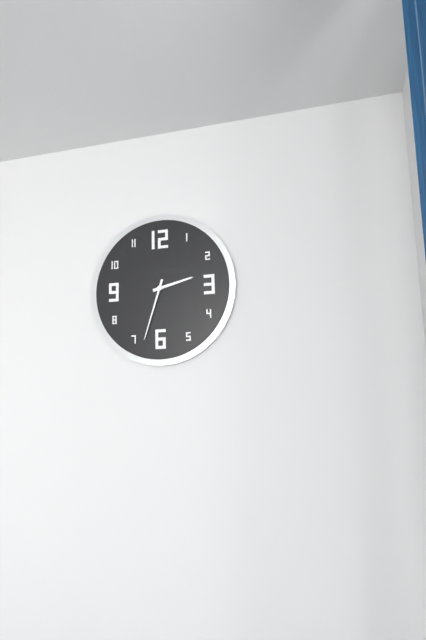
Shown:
2h33
